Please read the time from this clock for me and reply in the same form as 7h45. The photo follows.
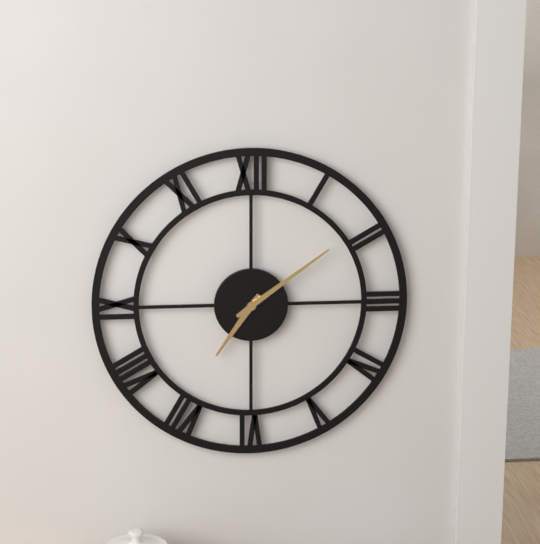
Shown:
7h09
